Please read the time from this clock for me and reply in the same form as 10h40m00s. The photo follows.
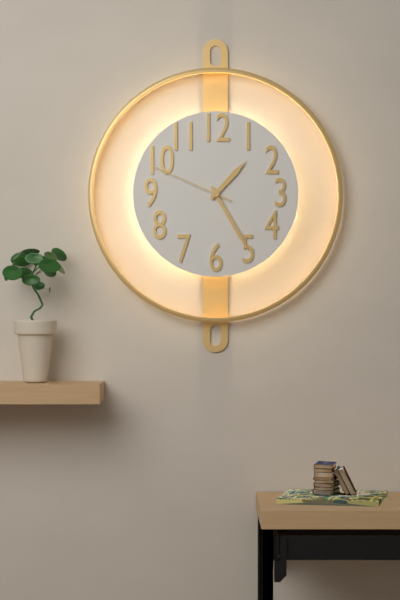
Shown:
1h25m49s
